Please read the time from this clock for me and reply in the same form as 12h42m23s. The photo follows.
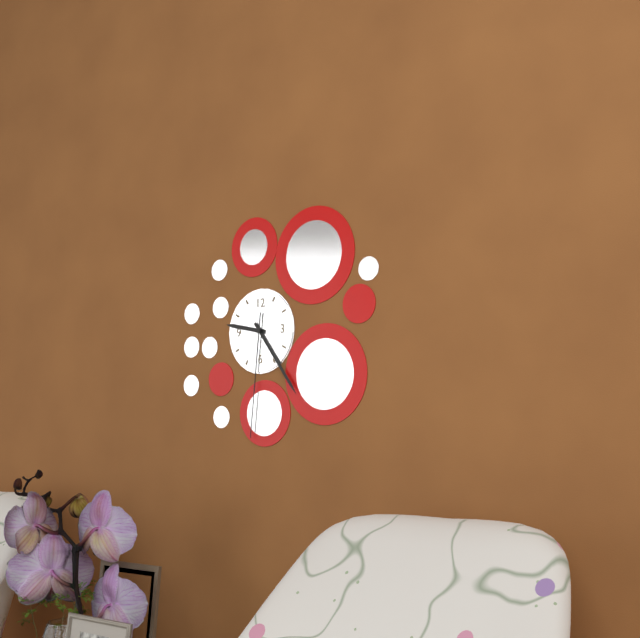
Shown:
9h24m31s
